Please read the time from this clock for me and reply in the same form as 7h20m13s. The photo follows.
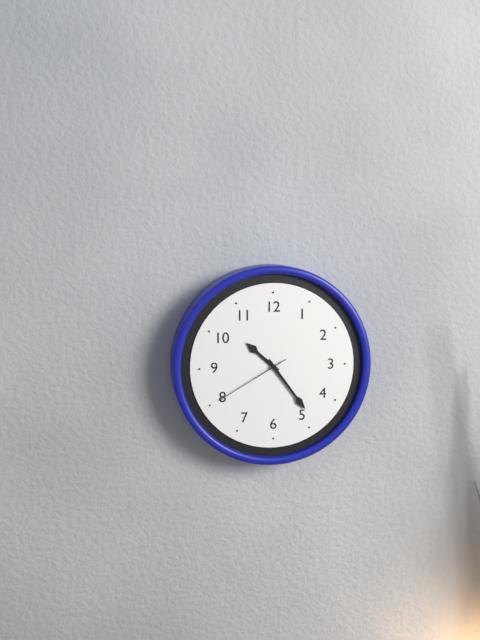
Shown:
10h24m40s
